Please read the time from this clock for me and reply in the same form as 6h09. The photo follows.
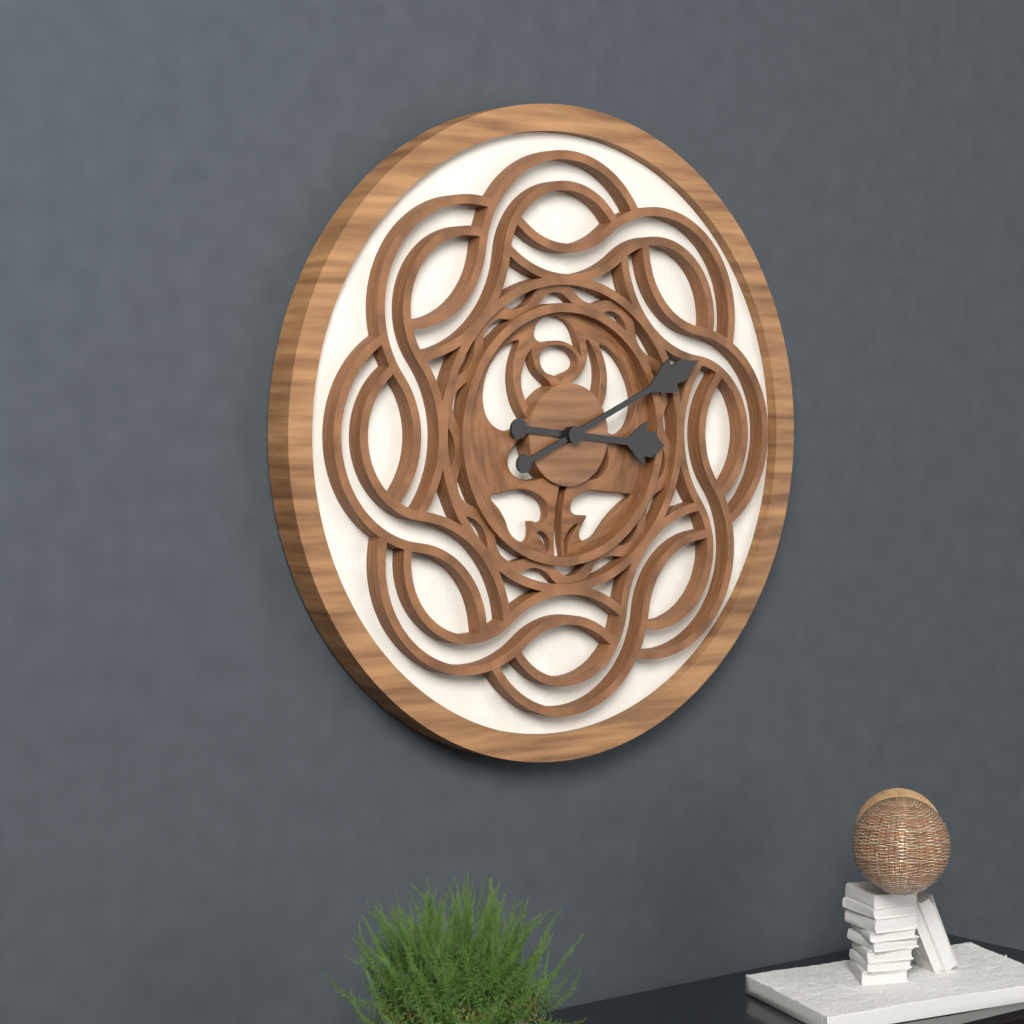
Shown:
3h11
